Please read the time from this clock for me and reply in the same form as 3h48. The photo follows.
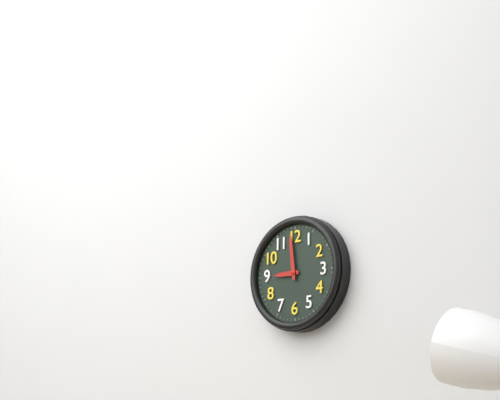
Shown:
8h59
